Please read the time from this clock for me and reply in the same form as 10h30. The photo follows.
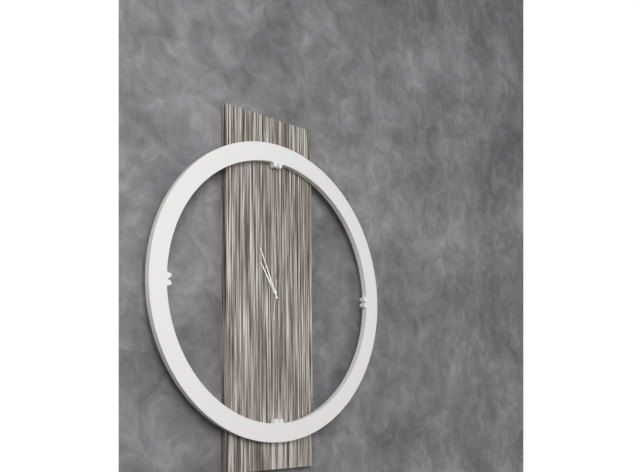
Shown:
10h56
